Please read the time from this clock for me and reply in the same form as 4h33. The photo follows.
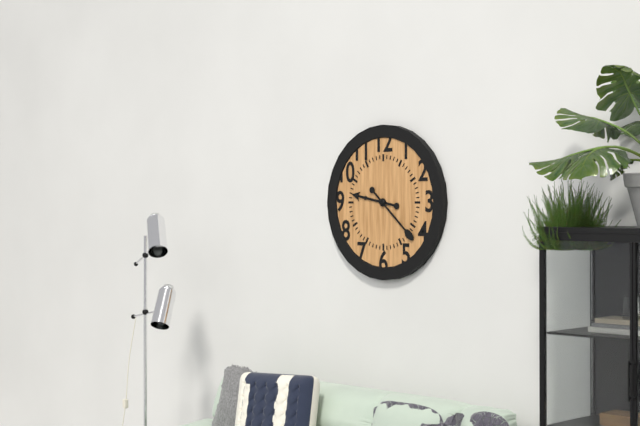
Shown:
9h22
